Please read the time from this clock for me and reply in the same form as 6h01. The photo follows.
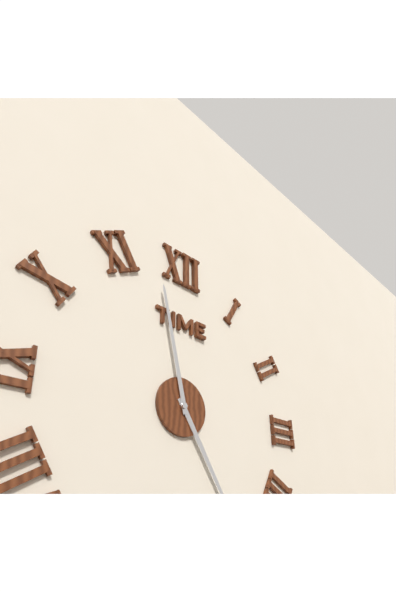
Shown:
4h58
